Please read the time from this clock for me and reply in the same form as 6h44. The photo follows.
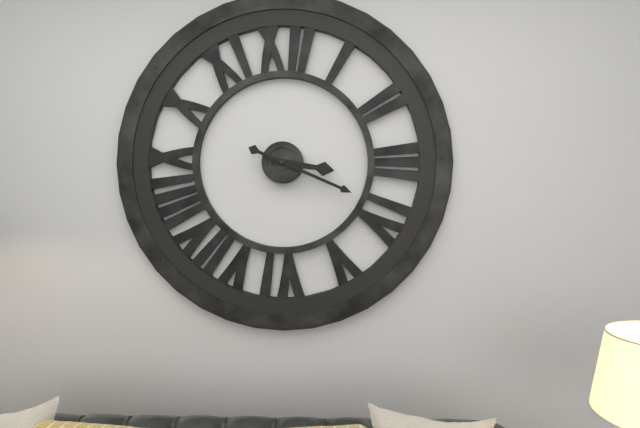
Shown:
3h19
